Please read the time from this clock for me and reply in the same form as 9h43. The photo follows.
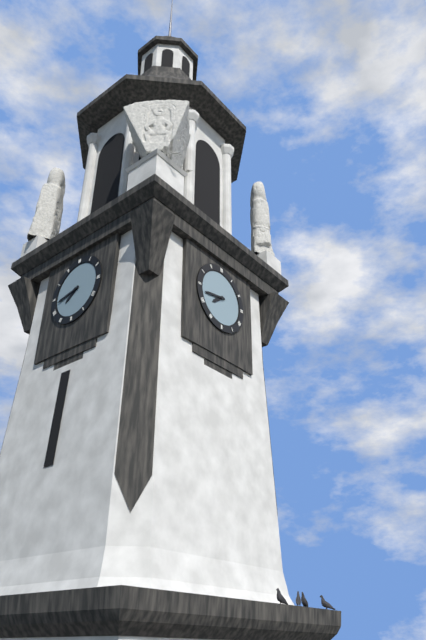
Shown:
7h43
